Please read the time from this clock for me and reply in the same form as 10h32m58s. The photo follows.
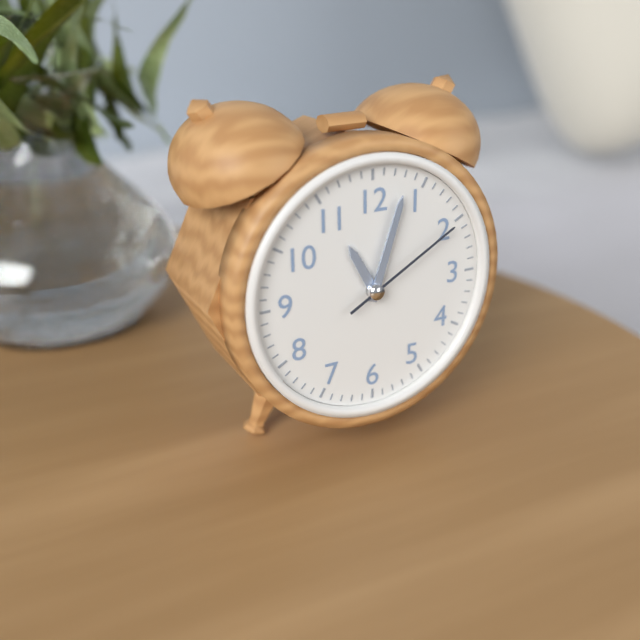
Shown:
11h03m10s
